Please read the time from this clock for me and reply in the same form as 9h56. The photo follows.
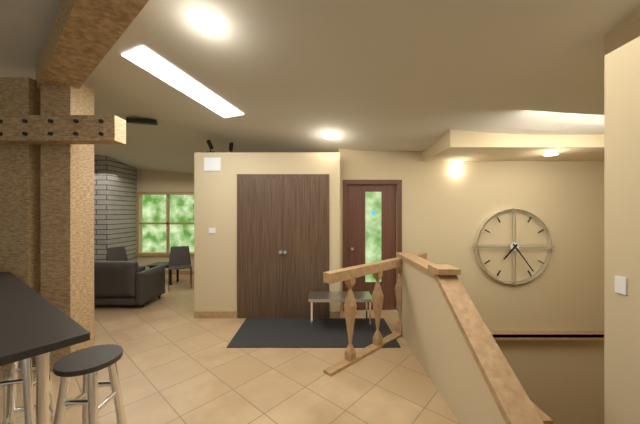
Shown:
7h24
